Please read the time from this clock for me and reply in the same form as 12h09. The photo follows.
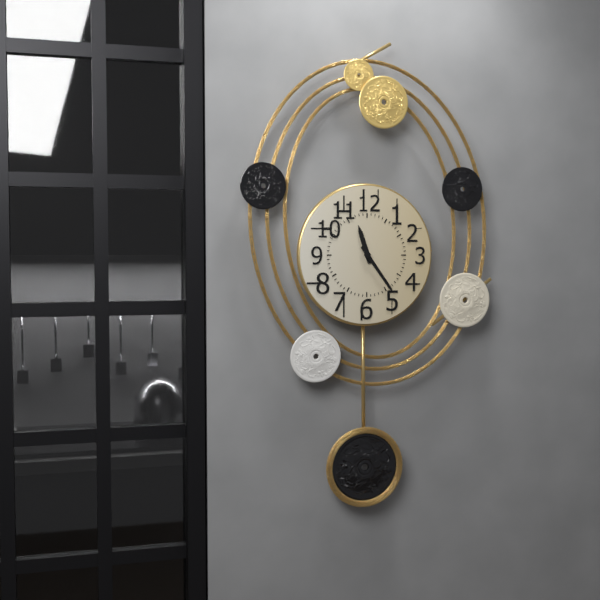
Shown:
11h24
